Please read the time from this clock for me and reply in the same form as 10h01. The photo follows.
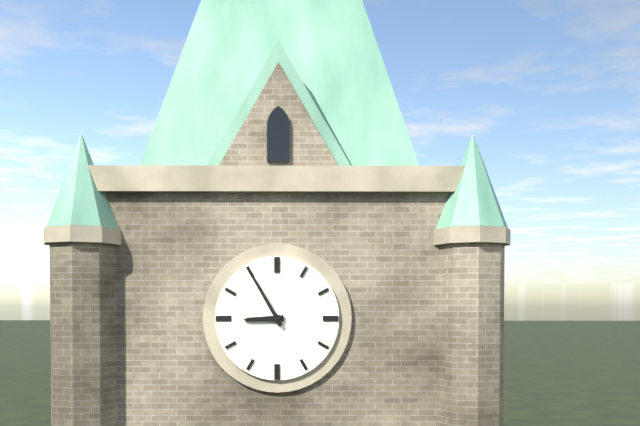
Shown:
8h55
